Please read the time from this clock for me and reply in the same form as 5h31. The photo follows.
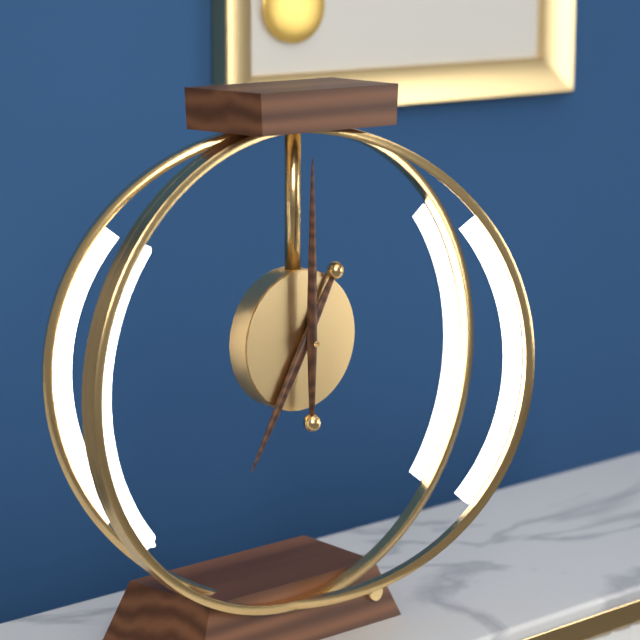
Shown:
7h00
